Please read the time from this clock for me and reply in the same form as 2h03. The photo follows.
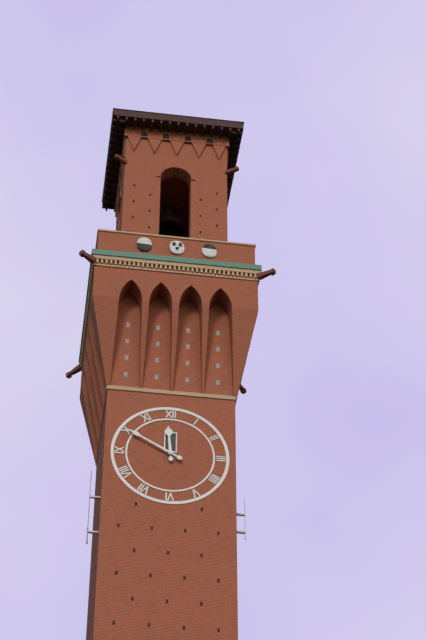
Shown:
11h50
